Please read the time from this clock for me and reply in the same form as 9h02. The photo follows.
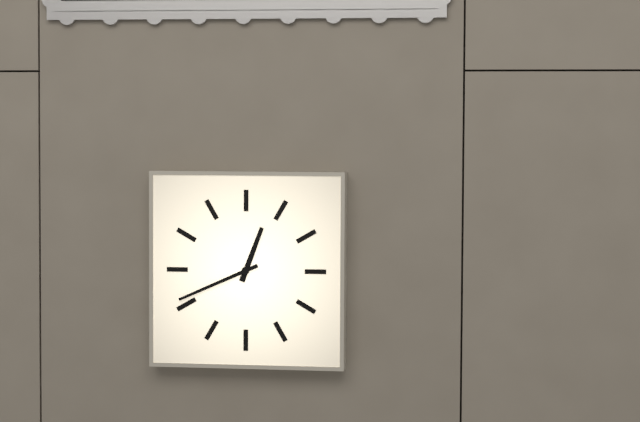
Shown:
12h41
